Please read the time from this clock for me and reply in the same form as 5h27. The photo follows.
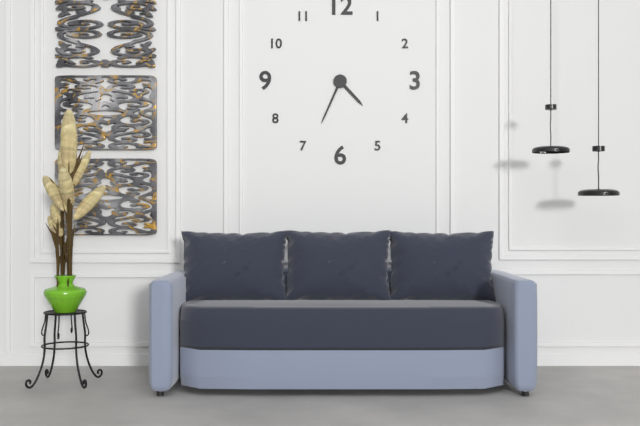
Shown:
4h34
